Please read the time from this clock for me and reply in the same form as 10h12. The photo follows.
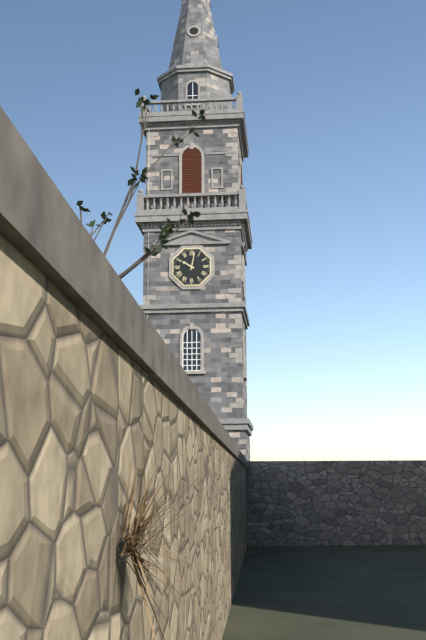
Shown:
10h02
